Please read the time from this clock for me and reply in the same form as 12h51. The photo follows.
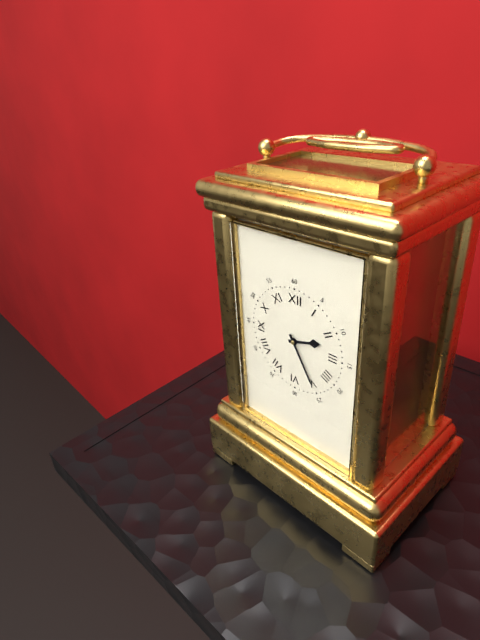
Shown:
2h25
